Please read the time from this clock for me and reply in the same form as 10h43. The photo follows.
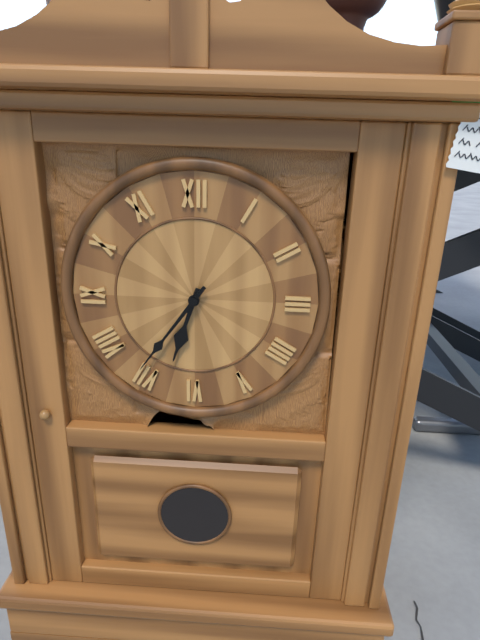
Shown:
6h36
